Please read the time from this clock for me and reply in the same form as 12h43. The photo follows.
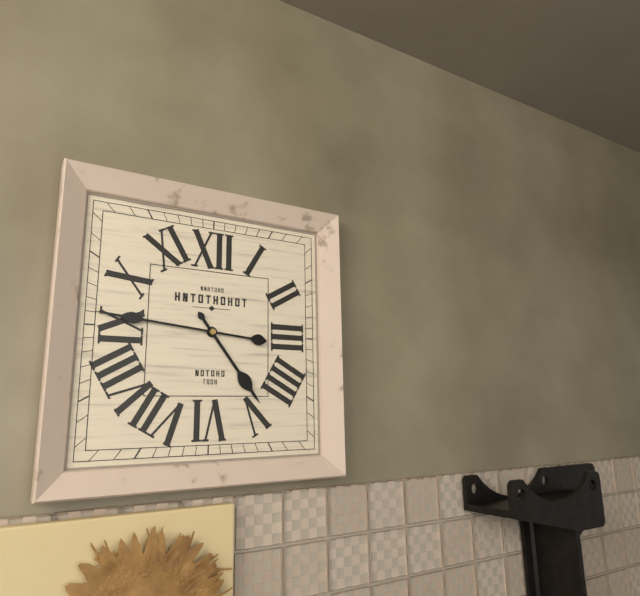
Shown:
4h46
